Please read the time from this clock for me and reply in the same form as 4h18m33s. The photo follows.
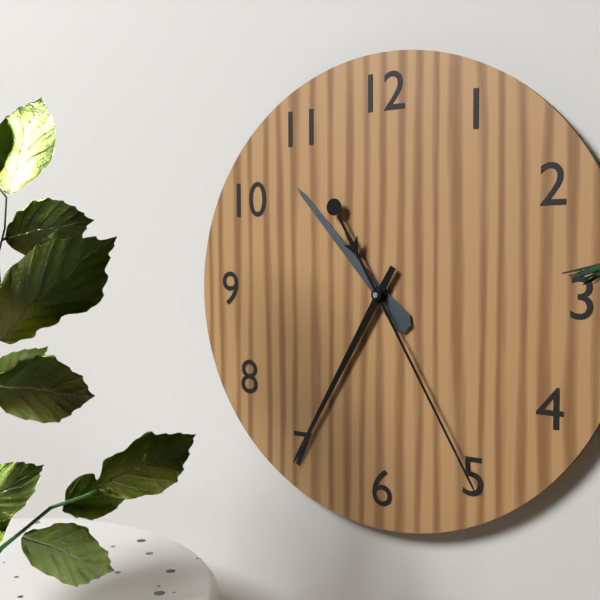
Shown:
10h35m25s
